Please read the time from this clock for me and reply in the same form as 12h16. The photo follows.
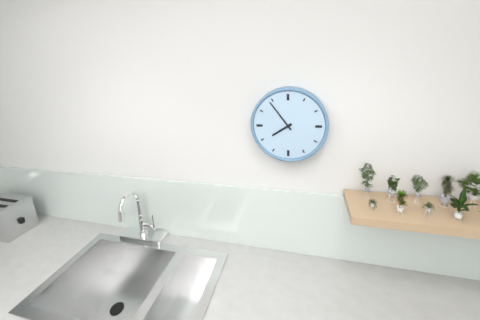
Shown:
7h54
